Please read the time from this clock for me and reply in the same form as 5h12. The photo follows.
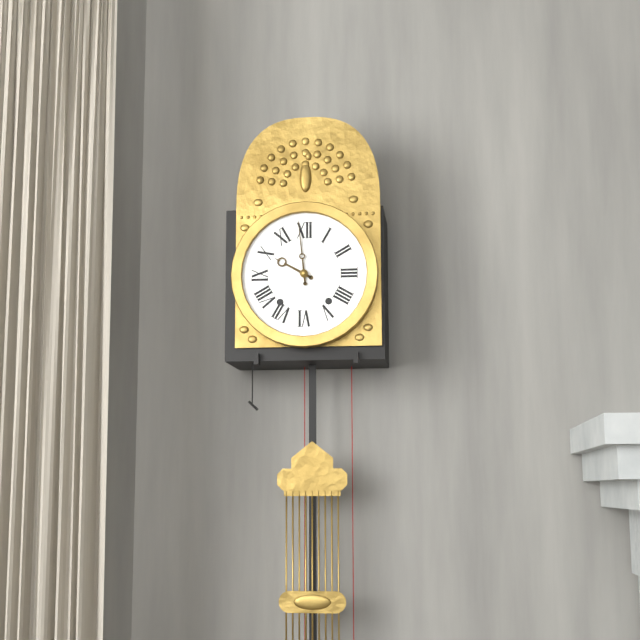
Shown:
9h59
